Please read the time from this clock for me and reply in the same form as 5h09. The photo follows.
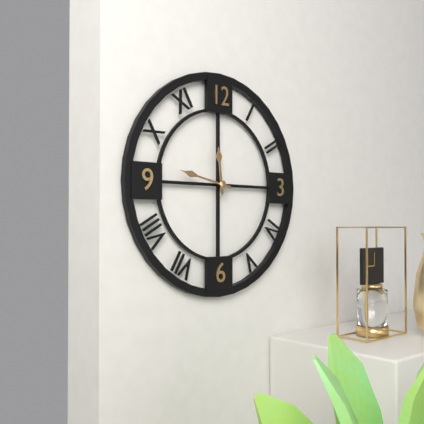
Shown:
11h47
